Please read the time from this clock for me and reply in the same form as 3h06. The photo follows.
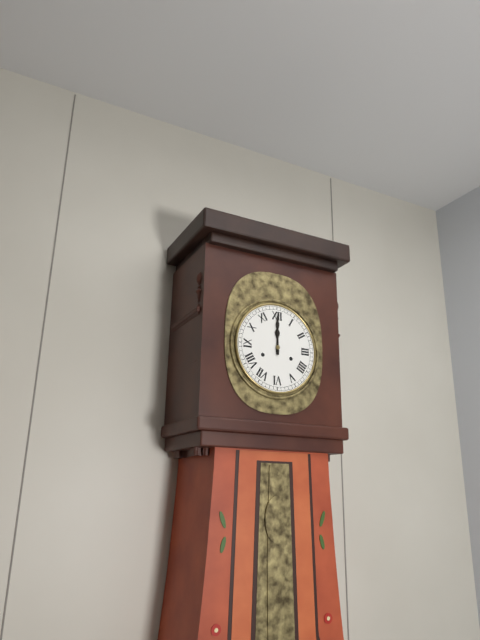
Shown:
12h00
